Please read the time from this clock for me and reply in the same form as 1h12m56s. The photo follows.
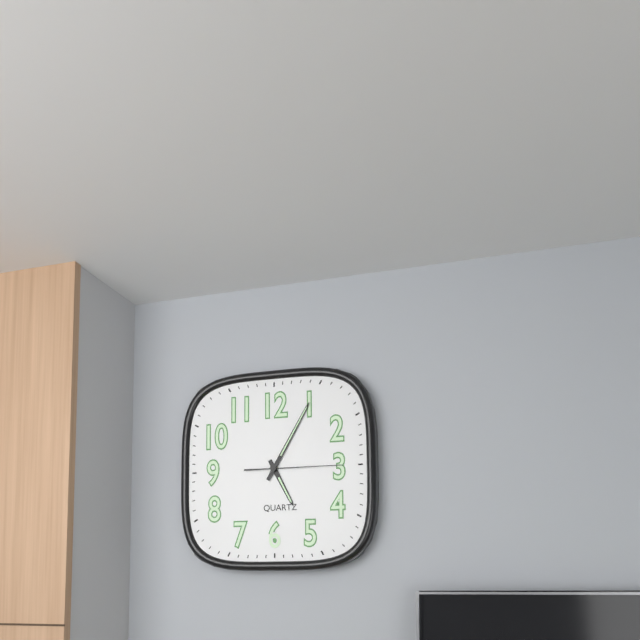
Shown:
5h05m15s
